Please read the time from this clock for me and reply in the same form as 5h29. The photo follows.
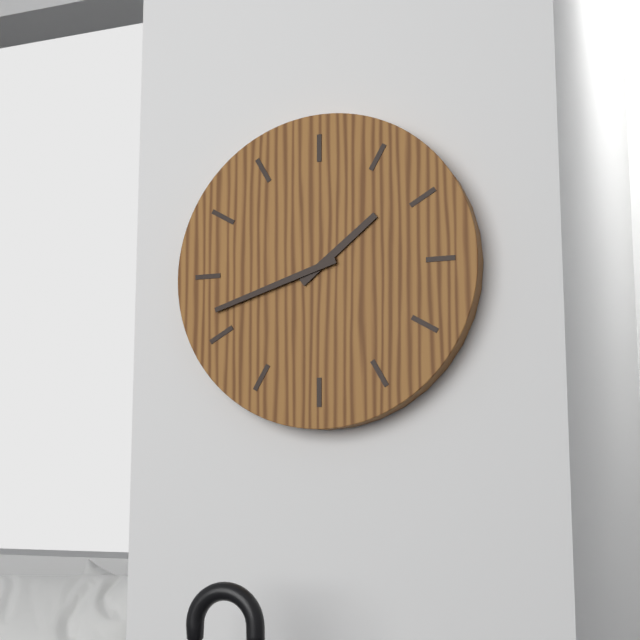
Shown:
1h42
